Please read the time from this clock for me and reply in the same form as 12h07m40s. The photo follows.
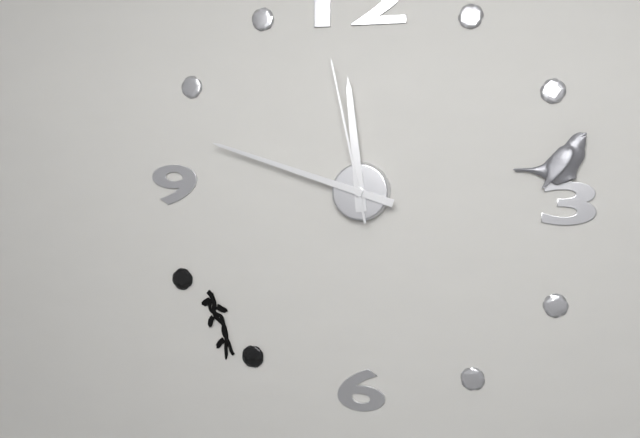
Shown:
11h48m58s
